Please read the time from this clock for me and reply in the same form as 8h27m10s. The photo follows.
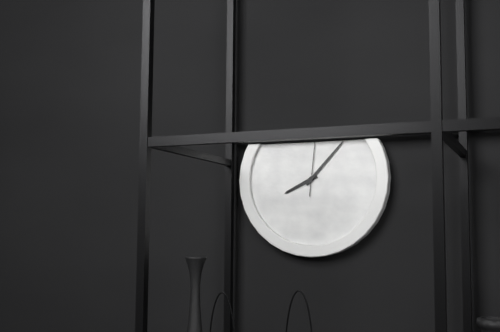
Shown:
8h07m01s
